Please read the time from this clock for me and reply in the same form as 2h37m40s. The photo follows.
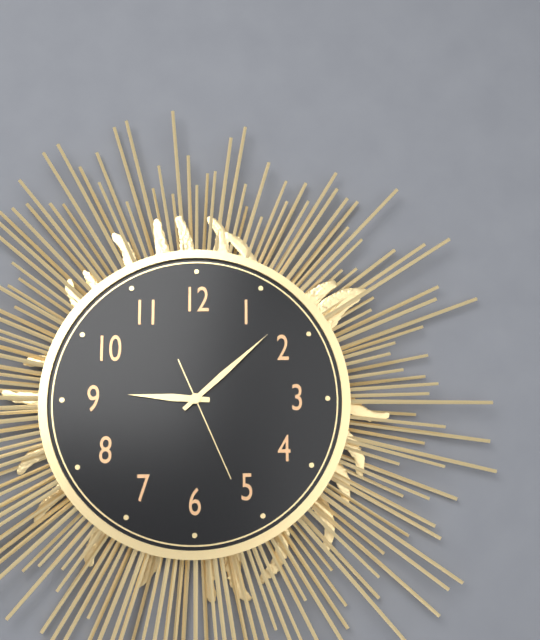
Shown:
9h08m26s
